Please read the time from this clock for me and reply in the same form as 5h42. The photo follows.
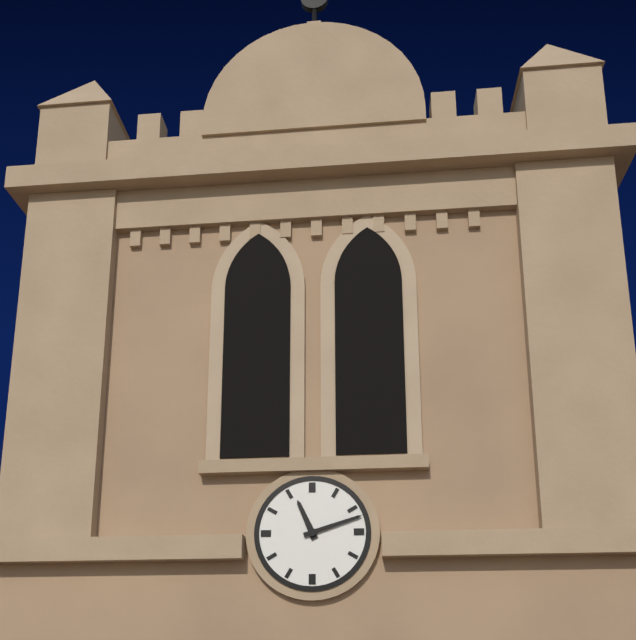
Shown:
11h12
